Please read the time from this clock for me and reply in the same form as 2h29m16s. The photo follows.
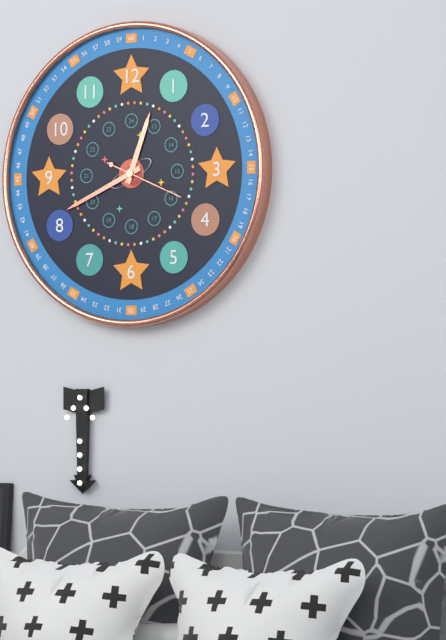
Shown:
12h41m19s
